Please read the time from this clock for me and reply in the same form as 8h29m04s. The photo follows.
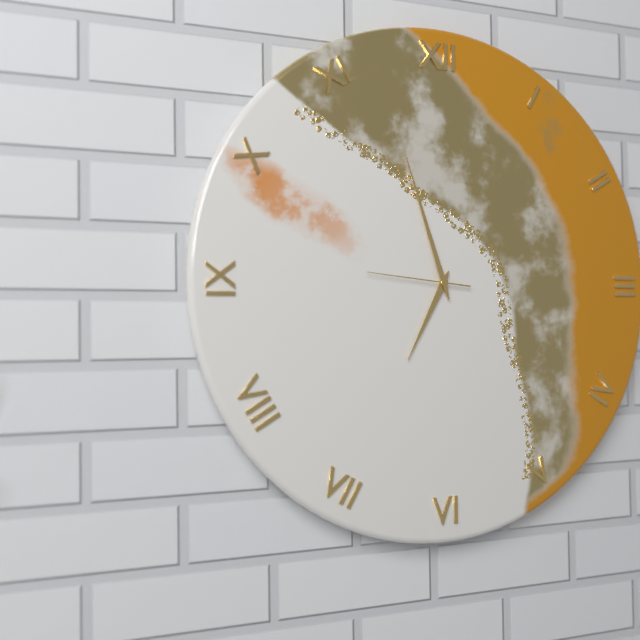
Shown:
6h57m46s
